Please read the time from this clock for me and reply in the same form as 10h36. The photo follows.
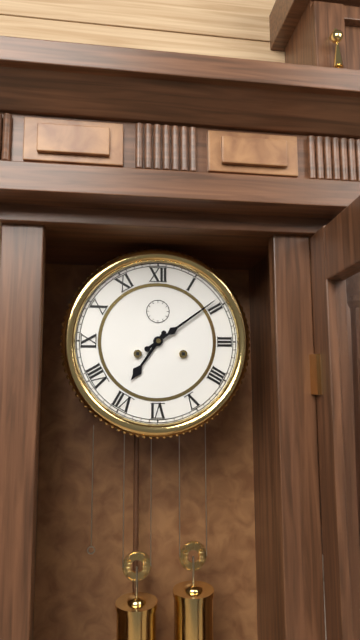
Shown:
7h09
